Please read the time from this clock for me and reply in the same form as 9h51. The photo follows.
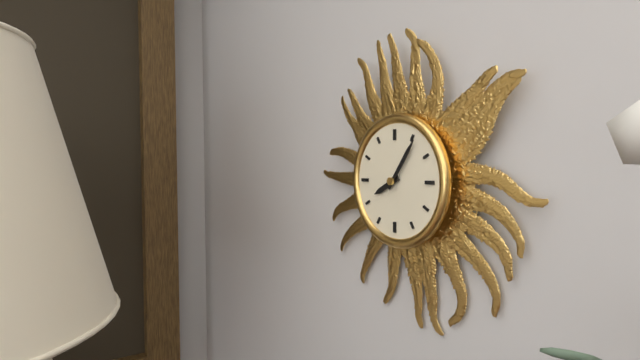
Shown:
8h06
